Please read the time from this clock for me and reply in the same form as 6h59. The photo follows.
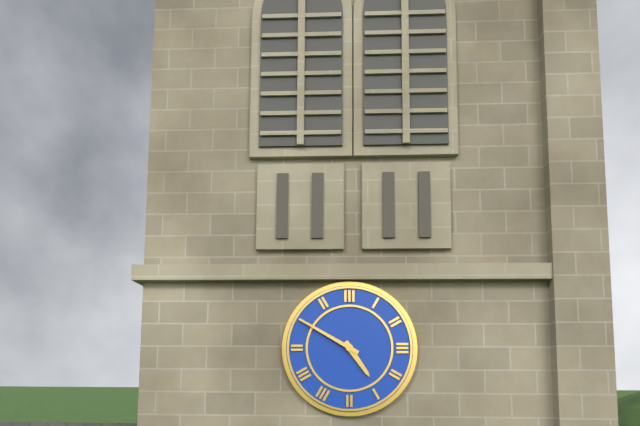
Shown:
4h50
